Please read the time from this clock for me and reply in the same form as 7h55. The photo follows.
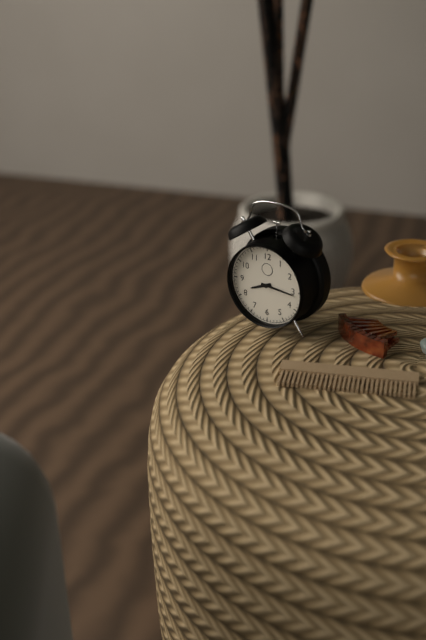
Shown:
8h16
